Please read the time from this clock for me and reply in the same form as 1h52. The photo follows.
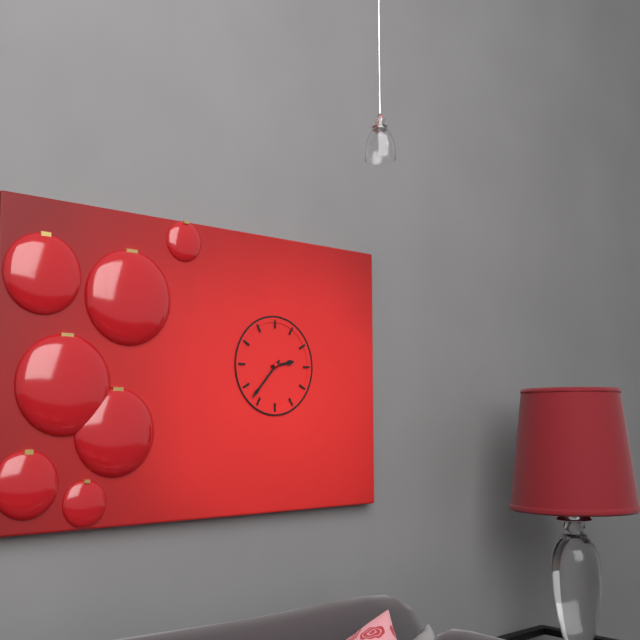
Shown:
2h37
